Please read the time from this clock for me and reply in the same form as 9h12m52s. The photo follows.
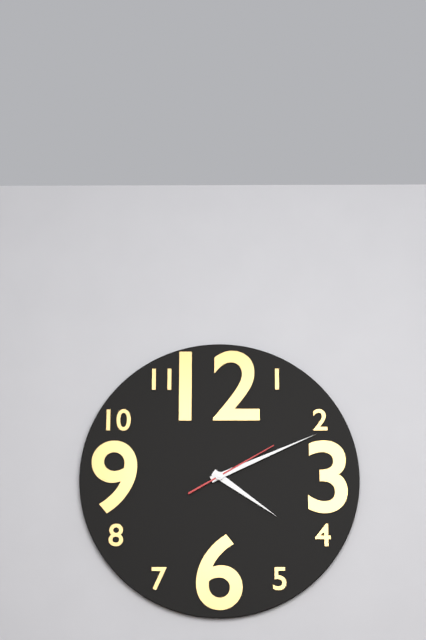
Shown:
4h11m10s
